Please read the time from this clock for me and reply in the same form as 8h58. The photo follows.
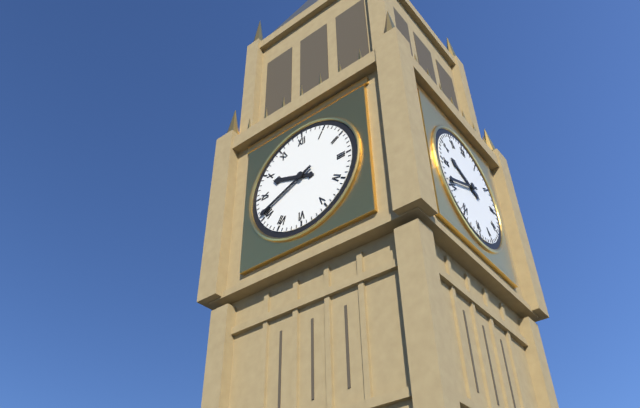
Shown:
9h41
